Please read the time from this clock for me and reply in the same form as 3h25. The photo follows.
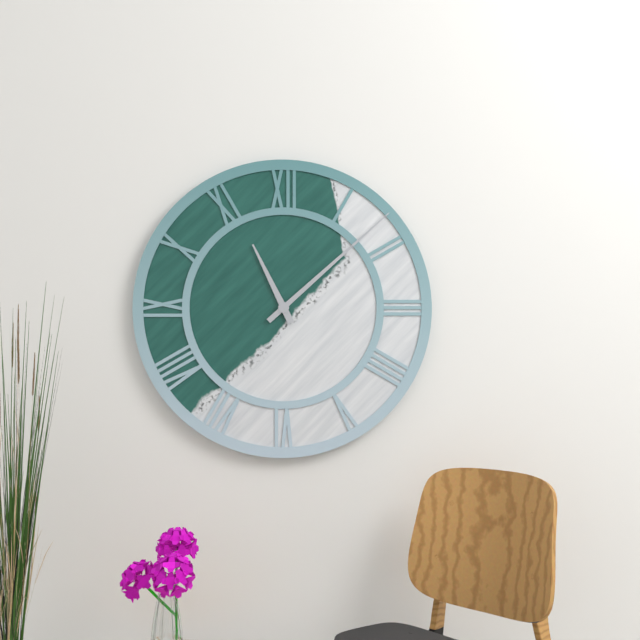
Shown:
11h08
